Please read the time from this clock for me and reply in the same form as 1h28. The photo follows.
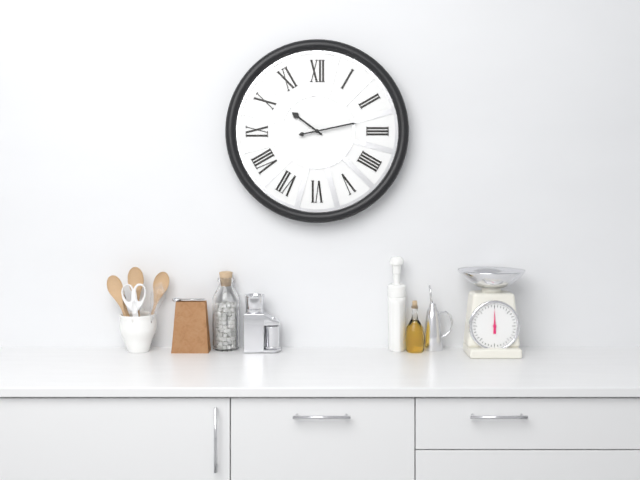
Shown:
10h13
